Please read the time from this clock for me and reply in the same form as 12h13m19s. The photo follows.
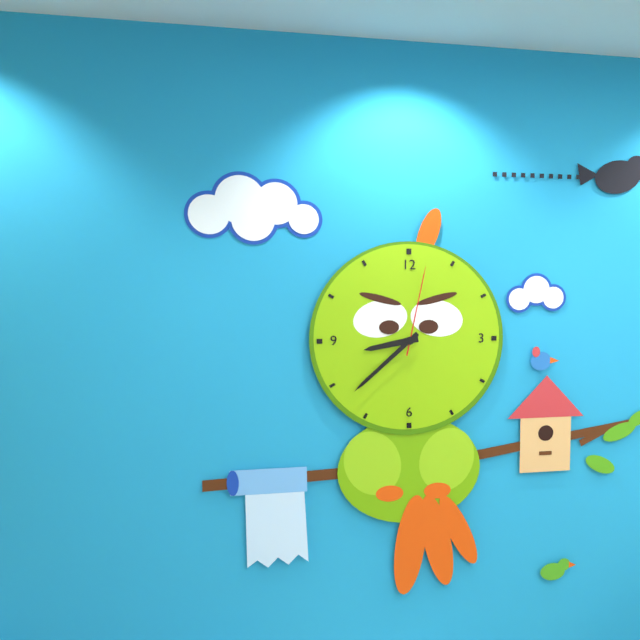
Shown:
8h38m02s
